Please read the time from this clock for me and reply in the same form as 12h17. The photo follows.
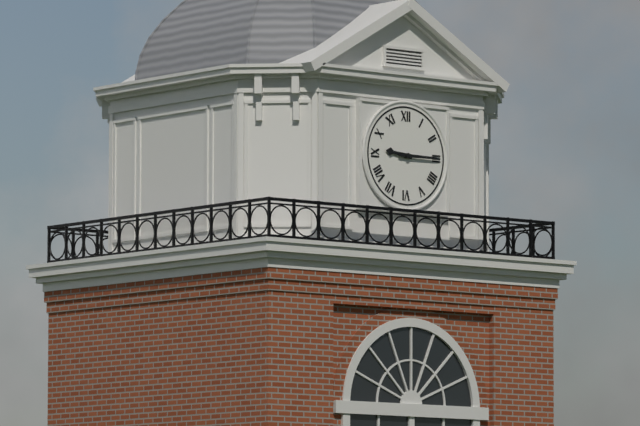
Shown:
9h15
